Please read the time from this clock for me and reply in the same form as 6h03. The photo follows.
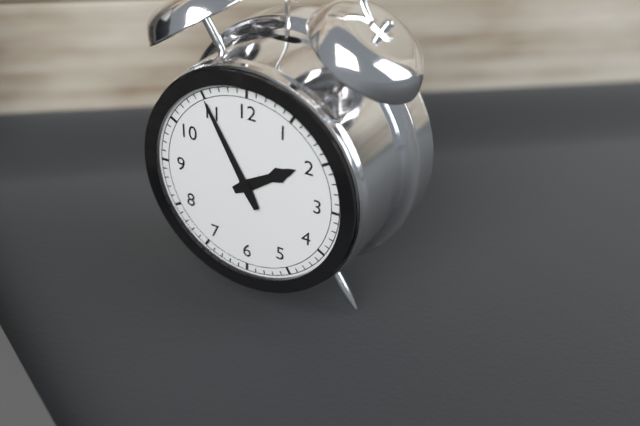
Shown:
1h55
